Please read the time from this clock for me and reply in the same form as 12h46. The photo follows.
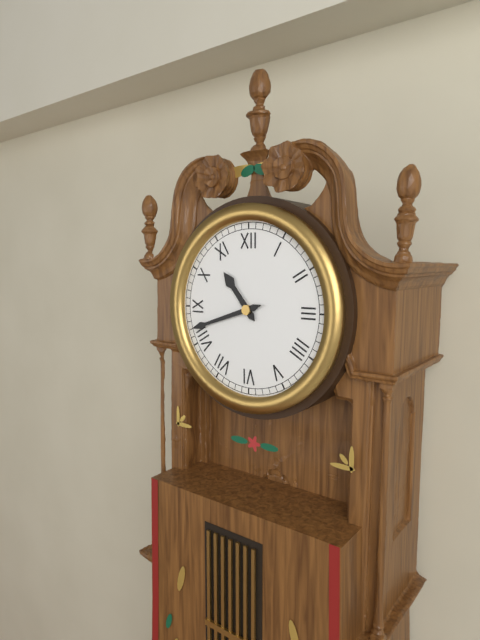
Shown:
10h42
